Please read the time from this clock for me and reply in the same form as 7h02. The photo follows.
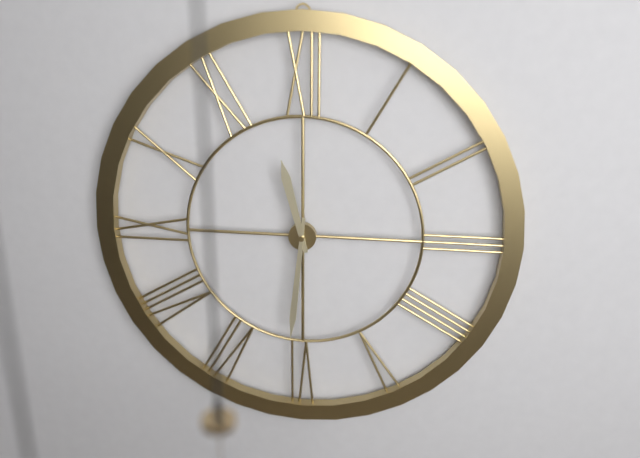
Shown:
11h31
